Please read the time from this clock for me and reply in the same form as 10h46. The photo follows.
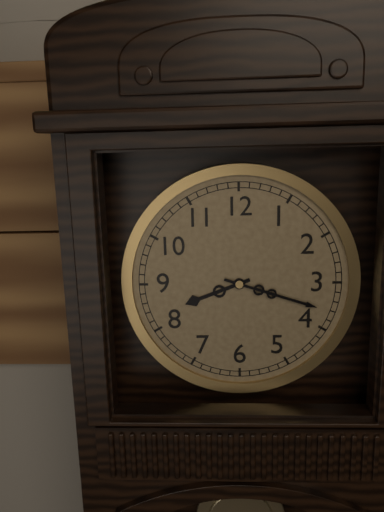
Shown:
8h18
